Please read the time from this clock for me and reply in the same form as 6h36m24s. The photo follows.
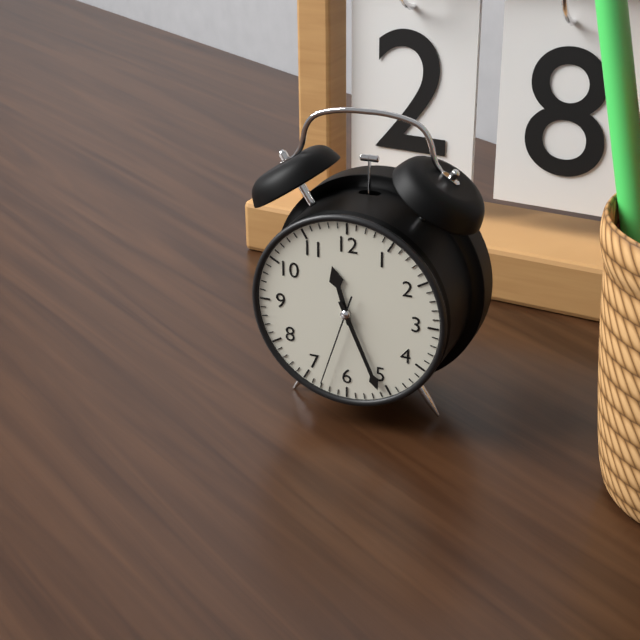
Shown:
11h26m33s
